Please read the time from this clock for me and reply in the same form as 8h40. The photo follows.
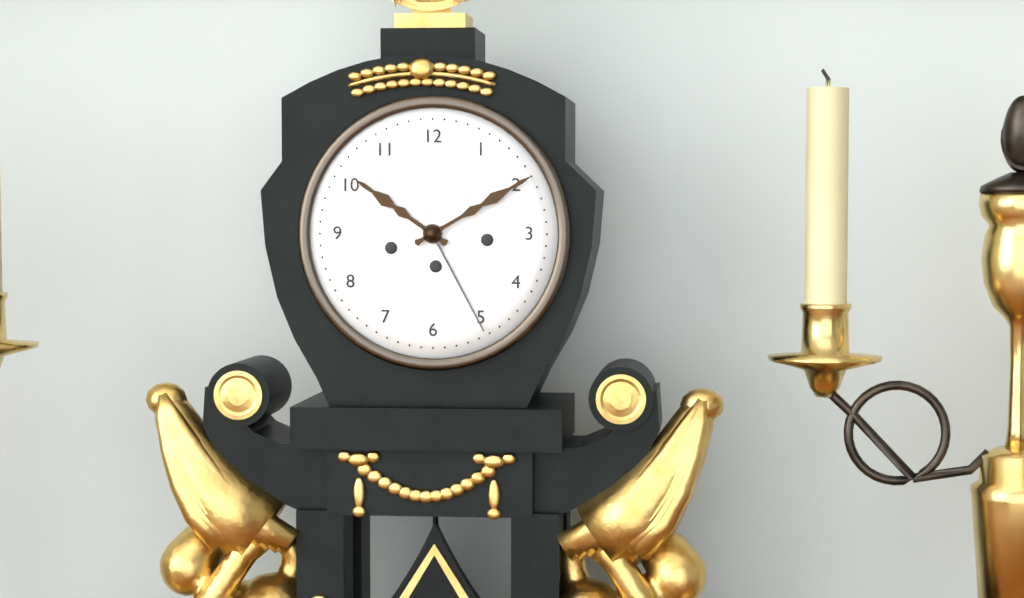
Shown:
10h10
